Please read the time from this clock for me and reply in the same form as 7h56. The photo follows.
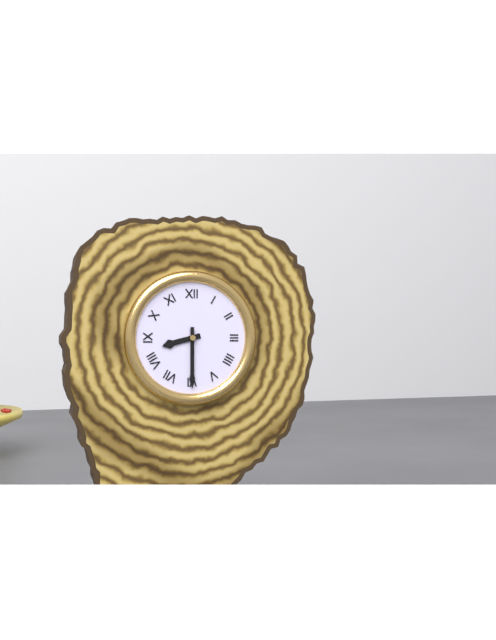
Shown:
8h30
